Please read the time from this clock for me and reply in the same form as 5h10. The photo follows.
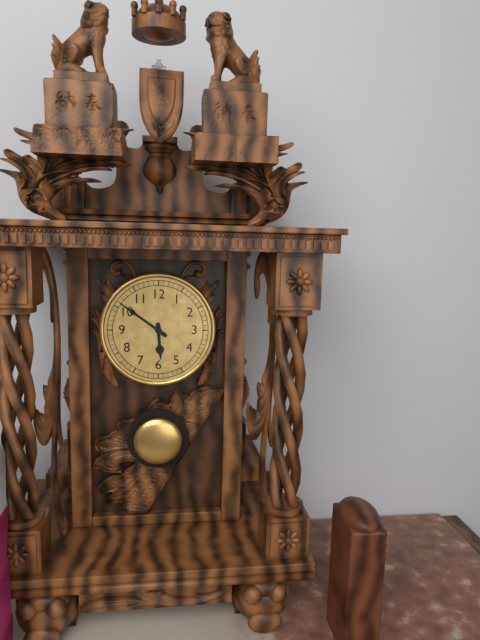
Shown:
5h51
